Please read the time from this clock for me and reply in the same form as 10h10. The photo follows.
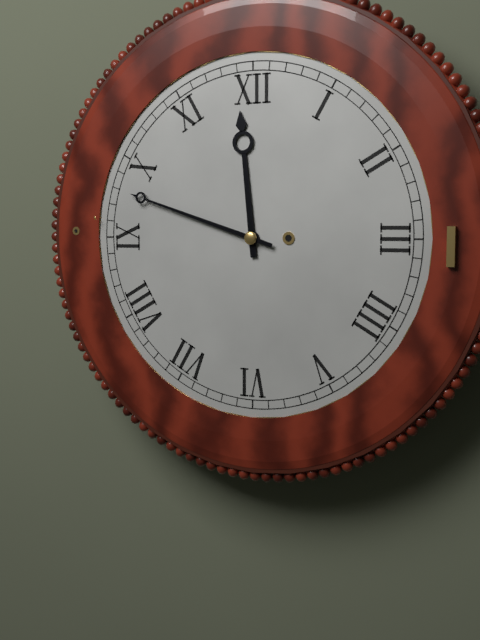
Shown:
11h48
